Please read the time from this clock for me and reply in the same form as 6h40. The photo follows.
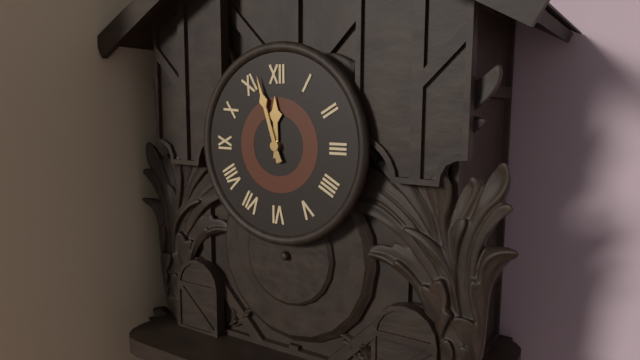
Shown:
11h57
